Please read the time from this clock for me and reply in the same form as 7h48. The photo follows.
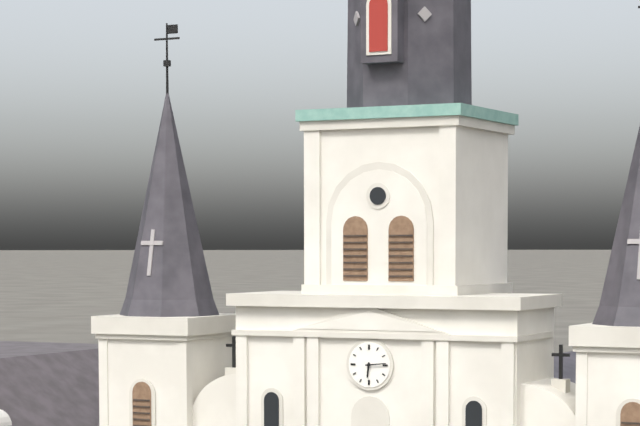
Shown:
6h14
